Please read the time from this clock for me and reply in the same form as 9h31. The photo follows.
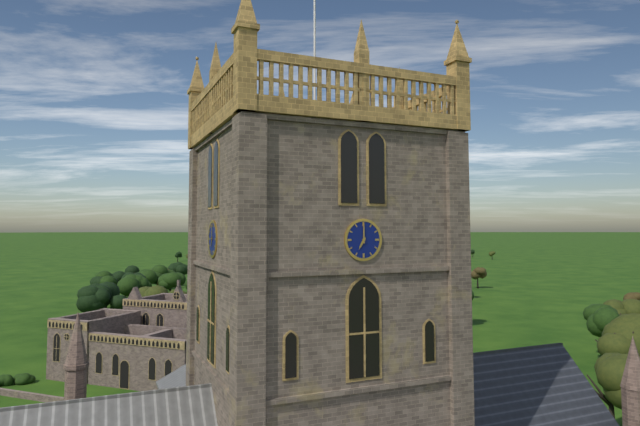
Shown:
7h00
